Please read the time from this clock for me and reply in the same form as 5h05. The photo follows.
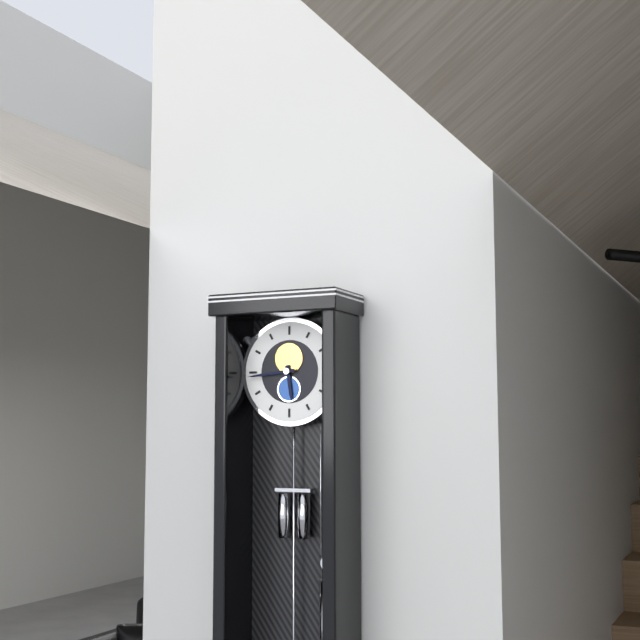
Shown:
5h44
